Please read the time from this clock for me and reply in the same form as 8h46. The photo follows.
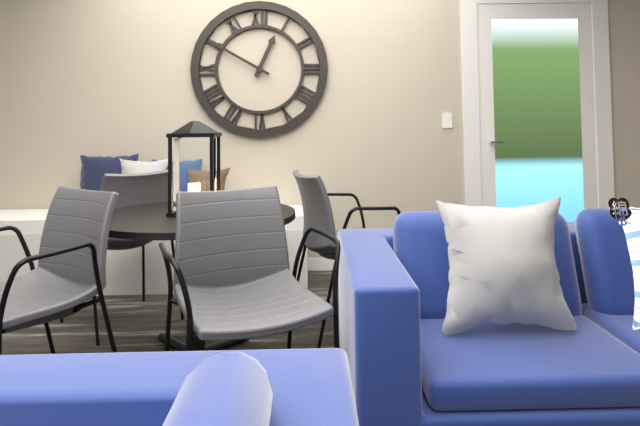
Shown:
12h50
